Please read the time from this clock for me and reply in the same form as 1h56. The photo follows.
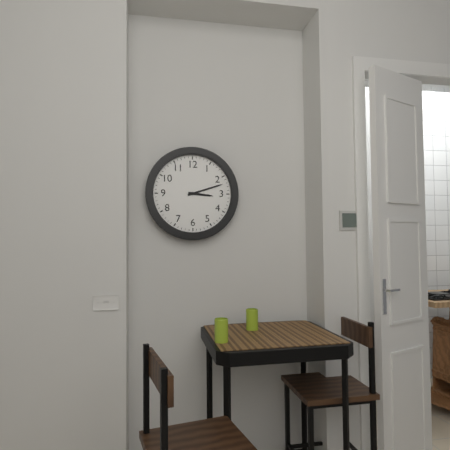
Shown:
3h12
